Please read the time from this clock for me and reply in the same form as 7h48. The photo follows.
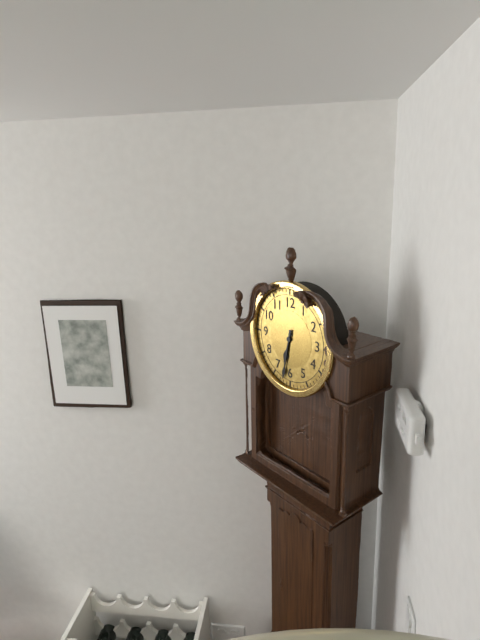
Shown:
6h32
